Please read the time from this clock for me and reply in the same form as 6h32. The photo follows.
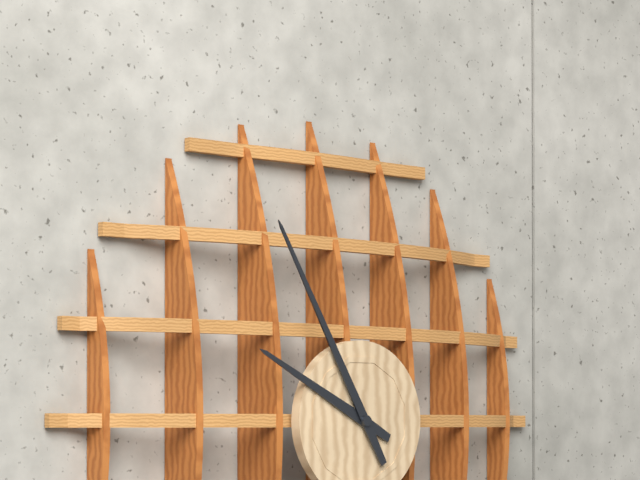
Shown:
9h55
